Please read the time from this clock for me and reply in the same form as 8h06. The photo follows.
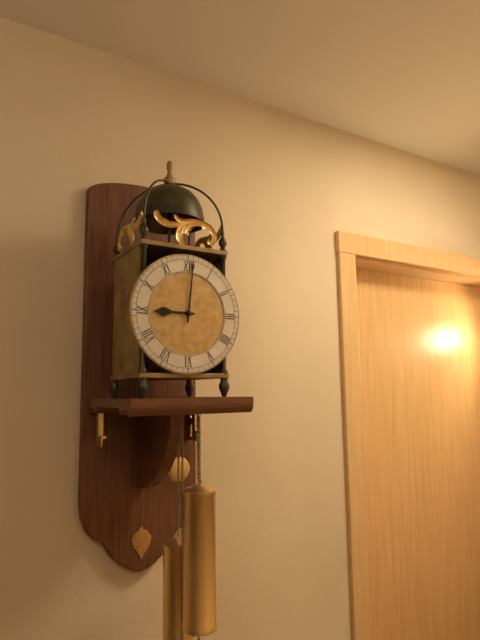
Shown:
9h01
